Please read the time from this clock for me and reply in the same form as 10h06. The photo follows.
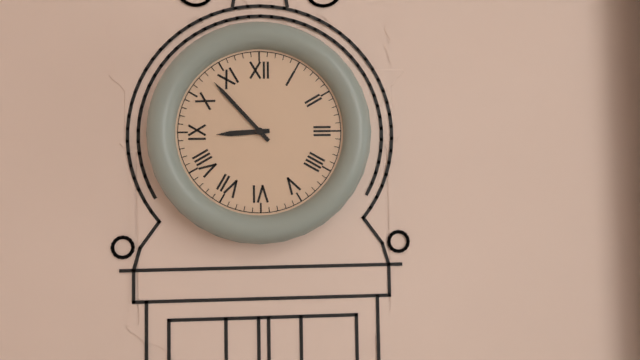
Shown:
8h53
